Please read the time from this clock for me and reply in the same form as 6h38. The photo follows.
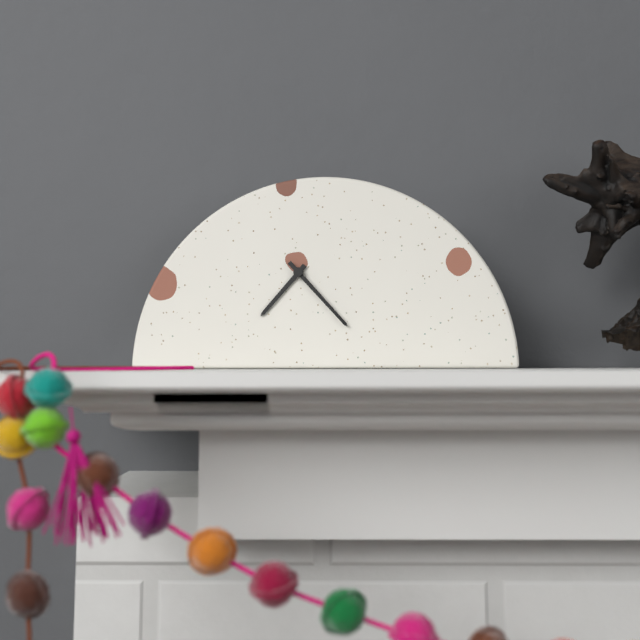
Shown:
7h23
